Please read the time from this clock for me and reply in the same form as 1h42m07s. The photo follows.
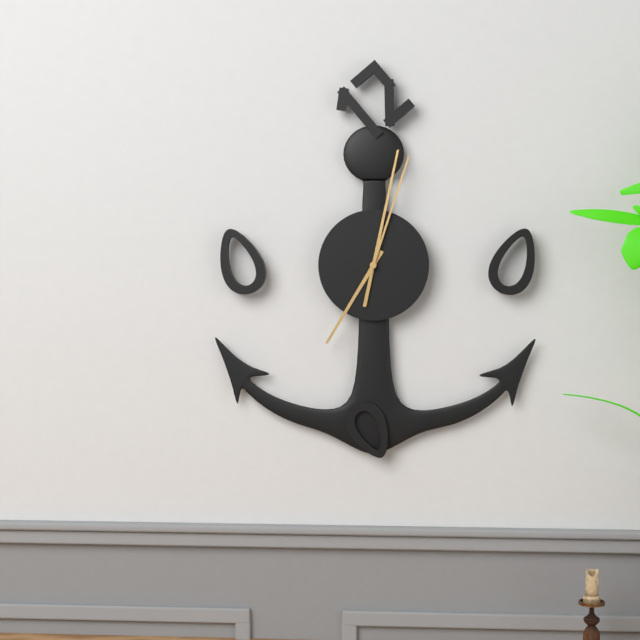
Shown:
7h02m03s
